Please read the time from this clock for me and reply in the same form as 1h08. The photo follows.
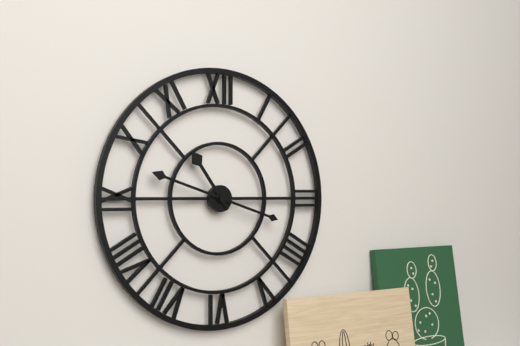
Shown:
10h48
